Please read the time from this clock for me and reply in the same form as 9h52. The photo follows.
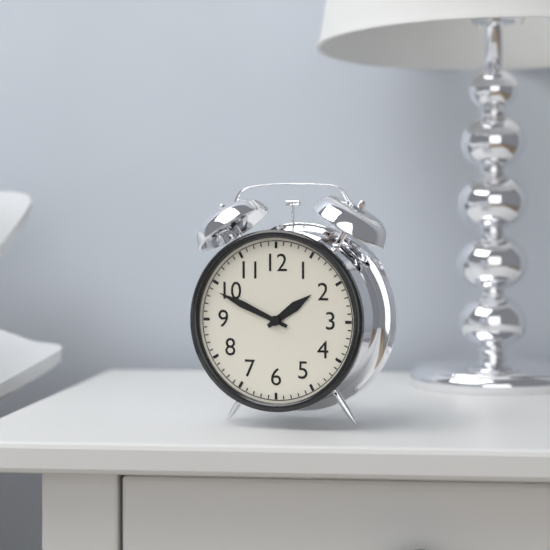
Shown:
1h49
